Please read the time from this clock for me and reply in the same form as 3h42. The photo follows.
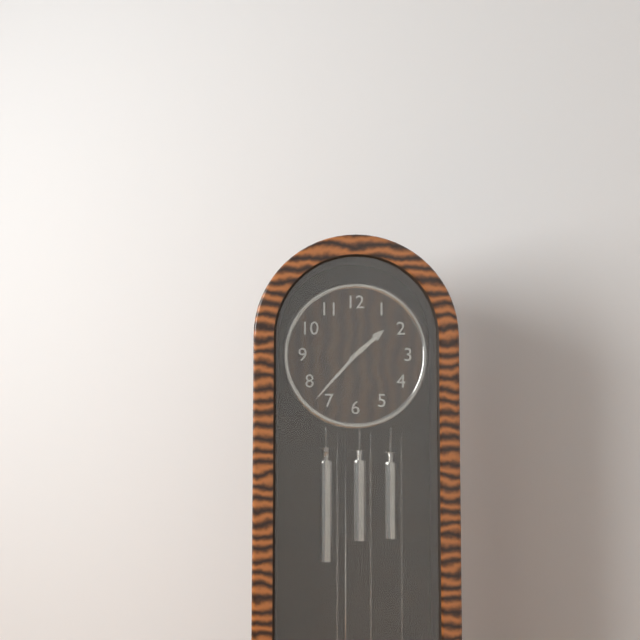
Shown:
1h37
